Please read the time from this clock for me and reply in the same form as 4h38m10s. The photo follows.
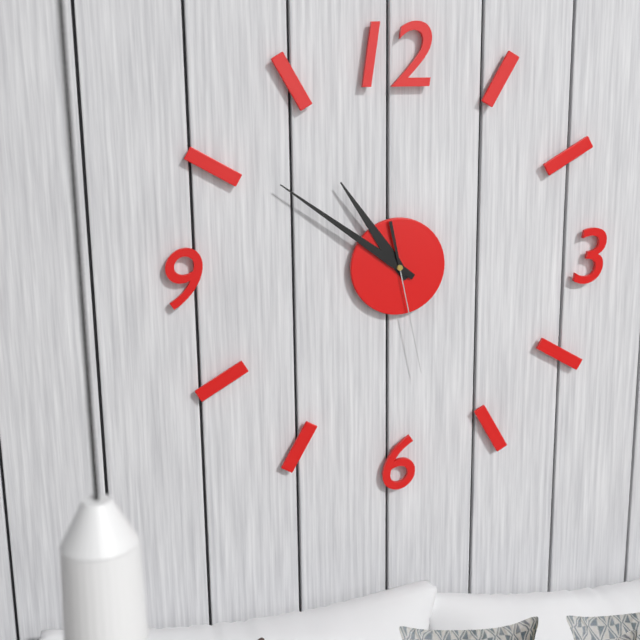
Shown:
10h51m28s
